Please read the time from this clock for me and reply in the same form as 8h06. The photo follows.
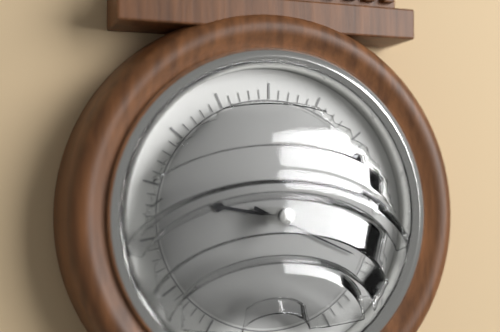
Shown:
9h19
